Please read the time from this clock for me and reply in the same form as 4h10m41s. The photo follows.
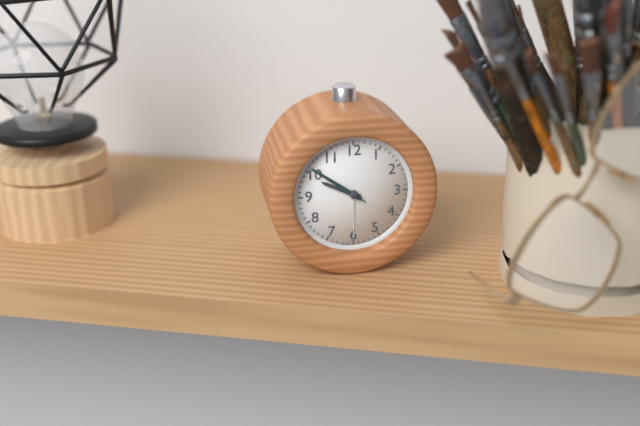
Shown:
9h51m51s
